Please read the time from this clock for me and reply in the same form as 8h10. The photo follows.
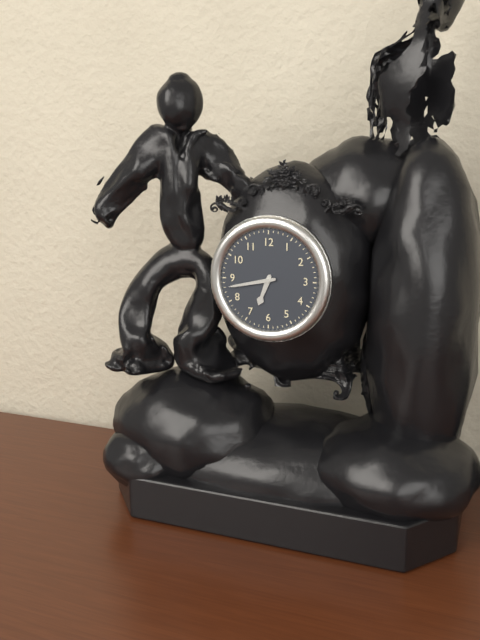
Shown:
6h43
